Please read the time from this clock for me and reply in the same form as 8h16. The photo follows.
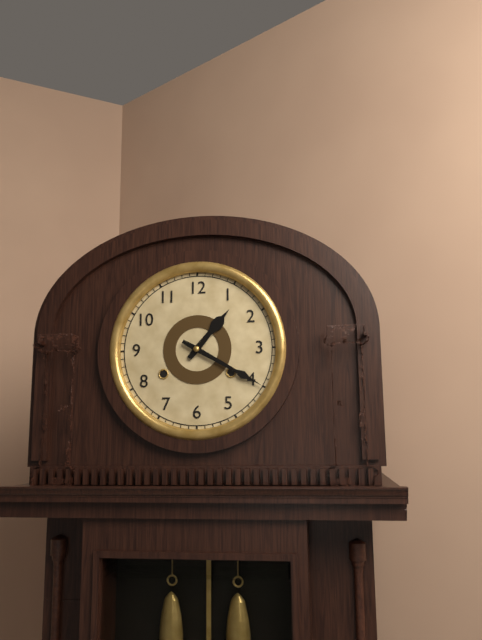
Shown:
1h20
